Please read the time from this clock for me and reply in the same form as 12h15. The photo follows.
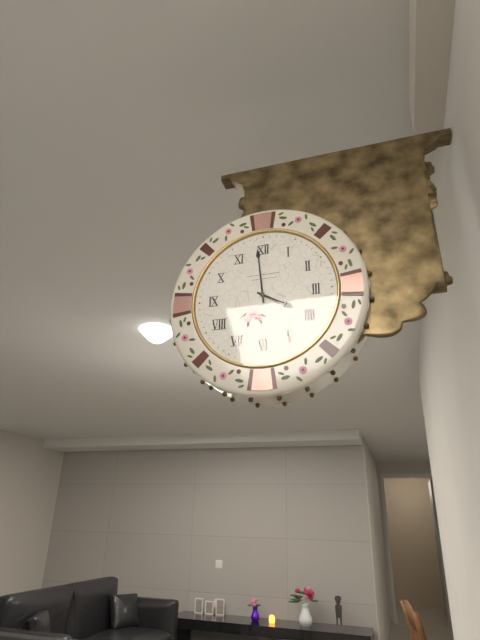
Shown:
3h59
